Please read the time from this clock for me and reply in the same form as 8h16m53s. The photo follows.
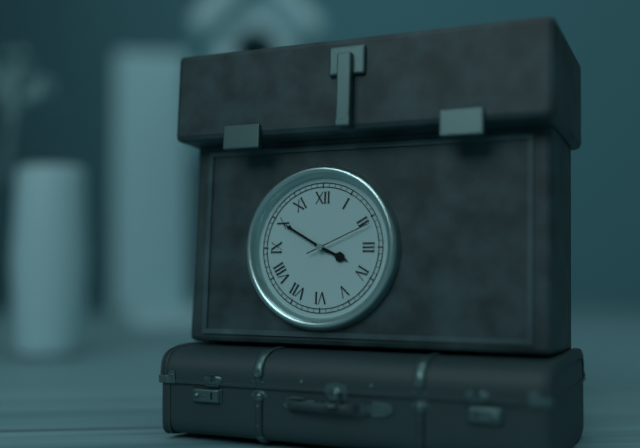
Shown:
3h50m11s
